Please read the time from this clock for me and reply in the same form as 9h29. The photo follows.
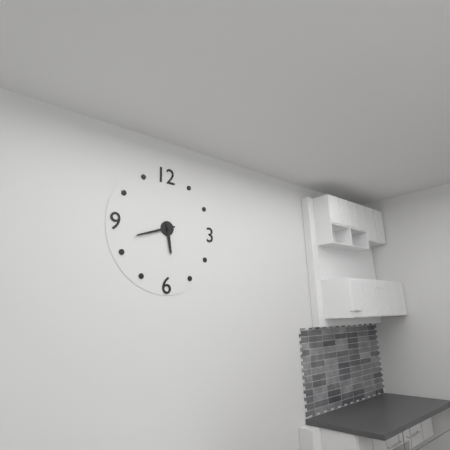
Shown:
5h42
